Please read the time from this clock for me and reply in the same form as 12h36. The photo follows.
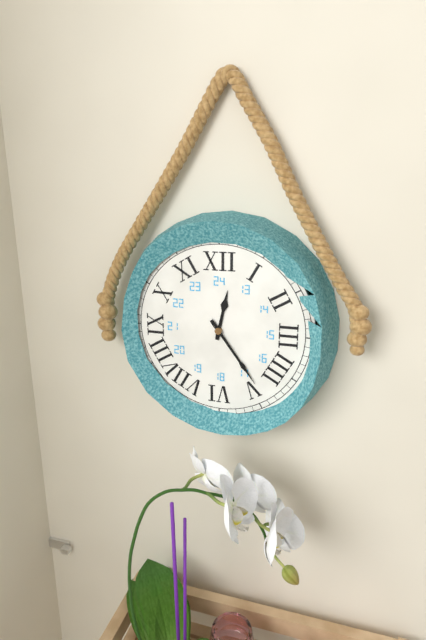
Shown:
12h24
